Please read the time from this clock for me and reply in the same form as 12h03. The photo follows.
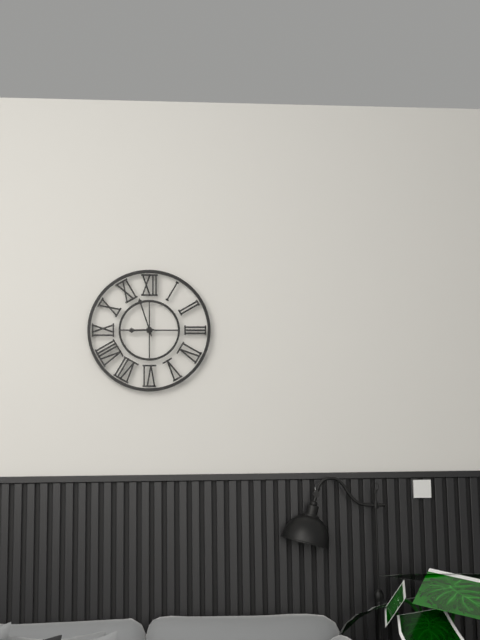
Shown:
8h57
